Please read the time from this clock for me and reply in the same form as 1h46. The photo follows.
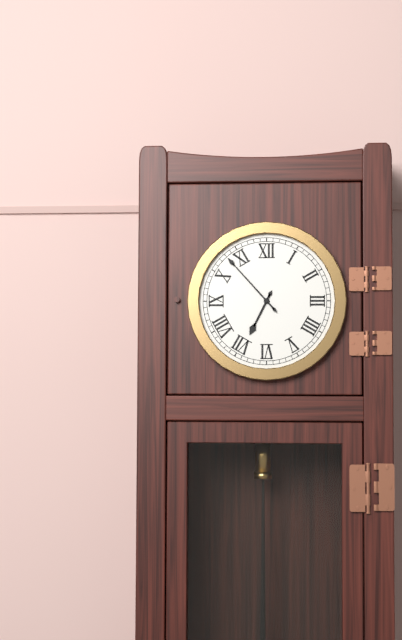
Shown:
6h53
